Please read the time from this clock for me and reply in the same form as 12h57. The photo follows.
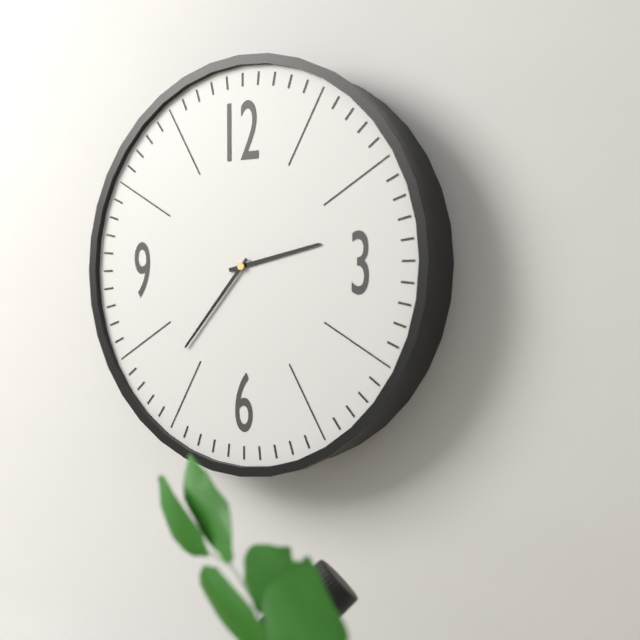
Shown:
2h37
